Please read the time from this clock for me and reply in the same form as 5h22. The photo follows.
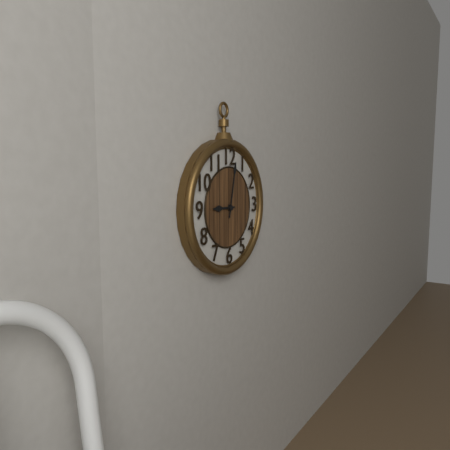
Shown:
9h02
